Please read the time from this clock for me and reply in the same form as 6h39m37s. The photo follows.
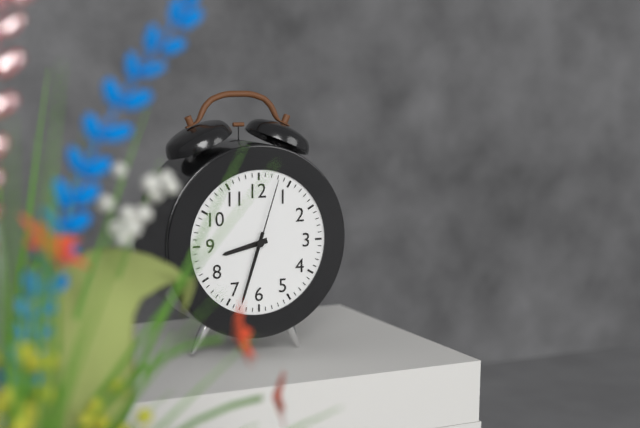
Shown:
8h33m03s
